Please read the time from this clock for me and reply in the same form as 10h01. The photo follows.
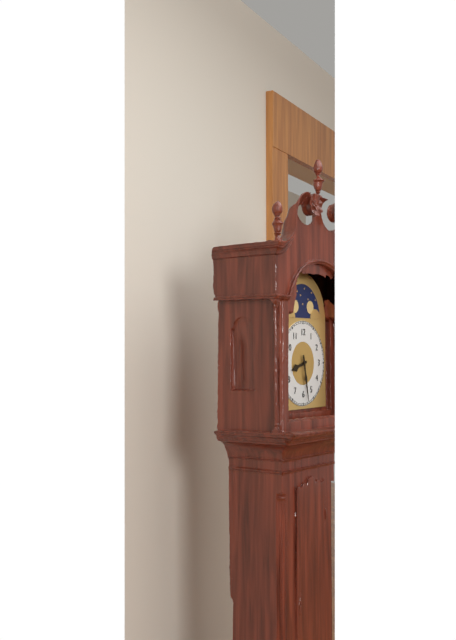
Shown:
8h28
